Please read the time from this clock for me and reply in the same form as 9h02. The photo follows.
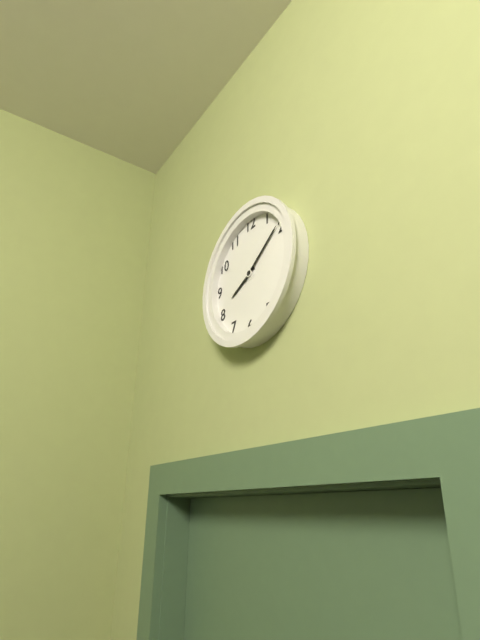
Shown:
8h09
